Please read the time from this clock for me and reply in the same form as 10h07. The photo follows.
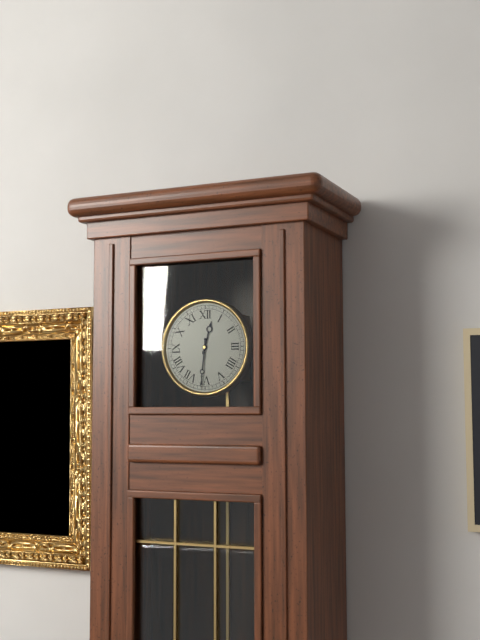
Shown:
12h31
